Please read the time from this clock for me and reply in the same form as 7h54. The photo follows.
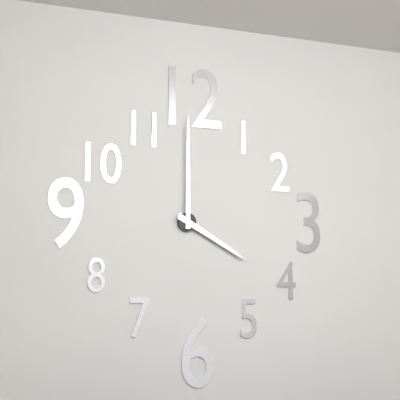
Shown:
4h00
